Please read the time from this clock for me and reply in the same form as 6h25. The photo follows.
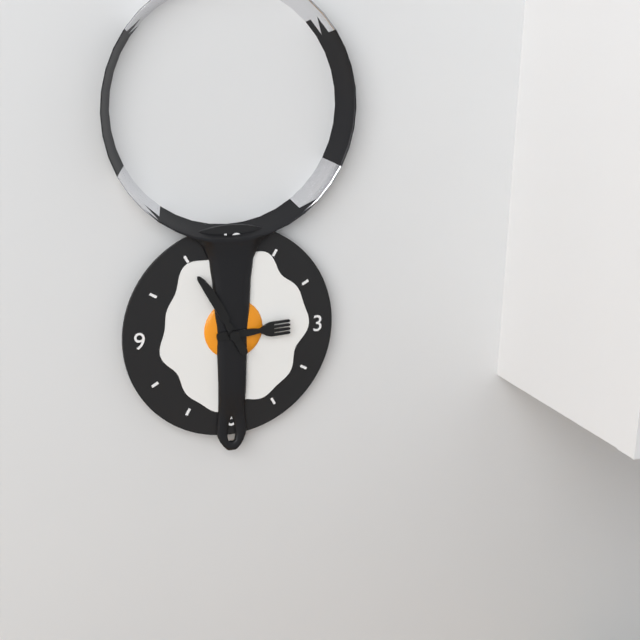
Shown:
2h55
